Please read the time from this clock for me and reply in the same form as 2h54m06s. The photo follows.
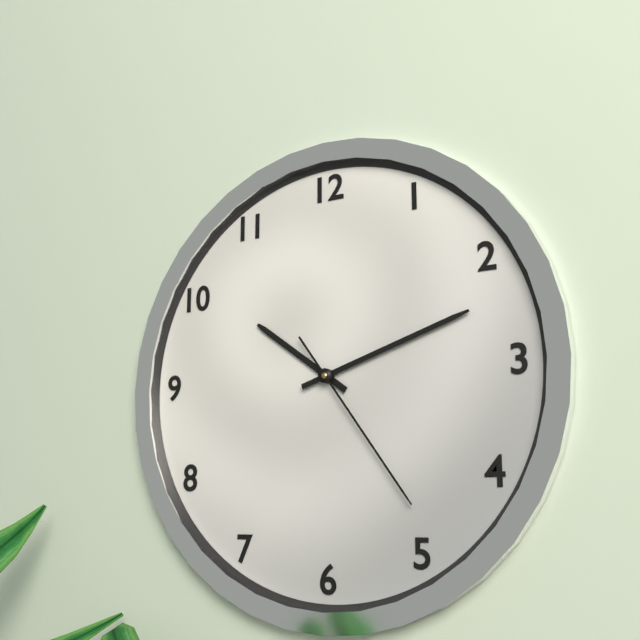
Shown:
10h12m24s
